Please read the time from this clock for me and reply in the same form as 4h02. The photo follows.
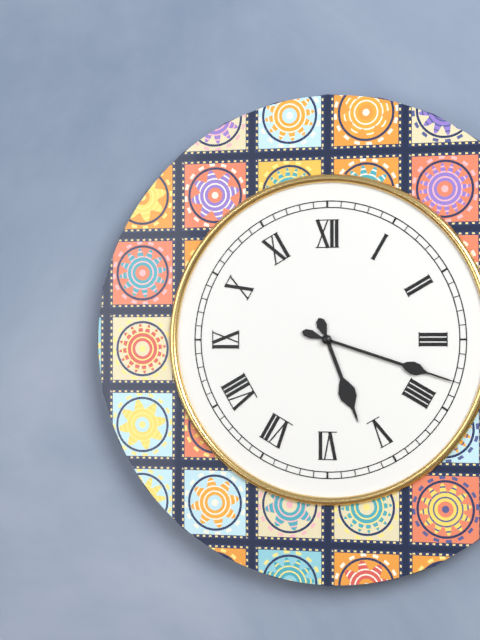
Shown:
5h18
